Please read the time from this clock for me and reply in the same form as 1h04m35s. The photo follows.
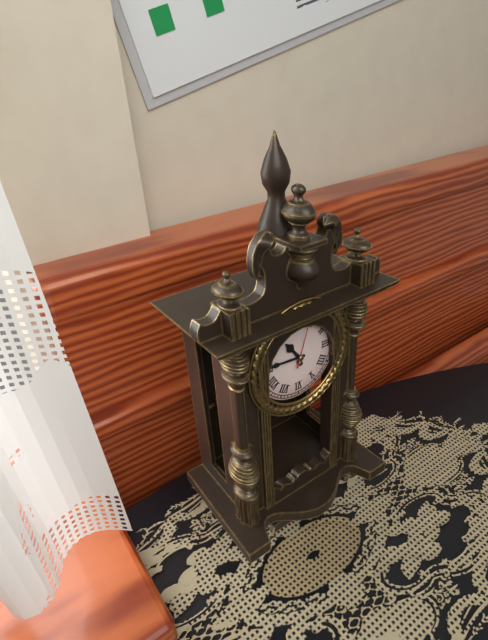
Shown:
10h46m03s
